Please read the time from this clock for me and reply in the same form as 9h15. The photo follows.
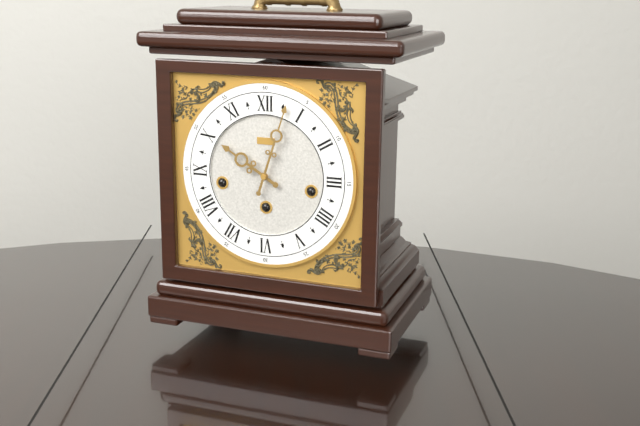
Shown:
10h03
